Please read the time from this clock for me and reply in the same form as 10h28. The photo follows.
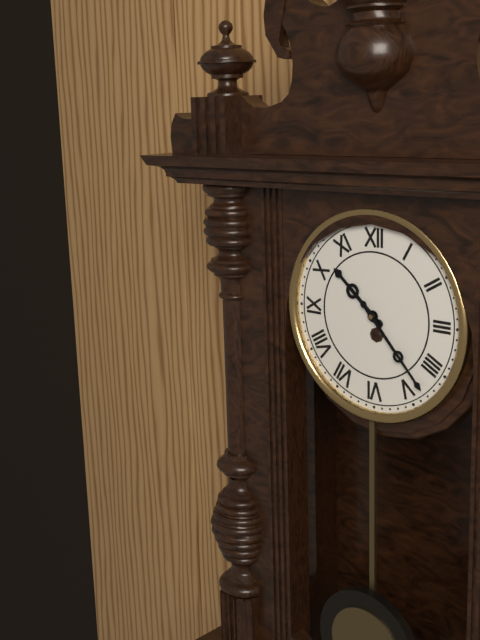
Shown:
10h23
